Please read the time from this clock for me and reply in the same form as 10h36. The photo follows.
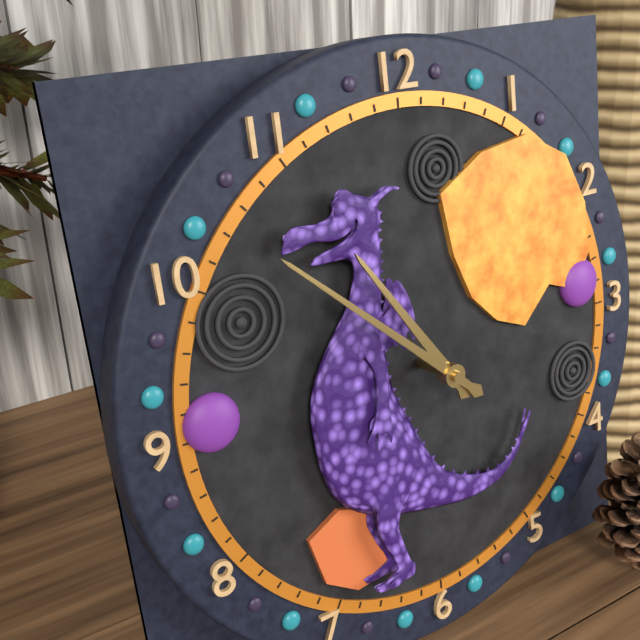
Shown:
10h52
